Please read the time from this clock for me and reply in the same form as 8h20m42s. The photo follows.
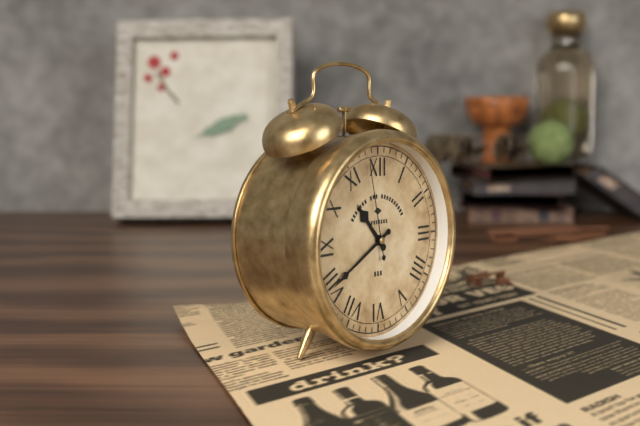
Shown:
10h40m58s
